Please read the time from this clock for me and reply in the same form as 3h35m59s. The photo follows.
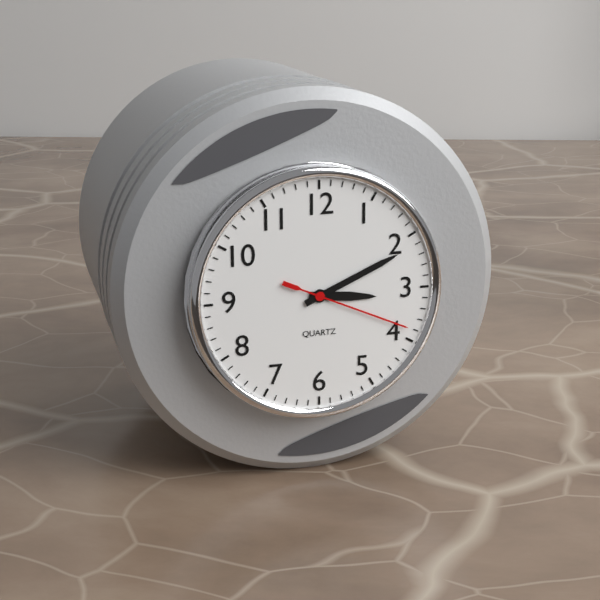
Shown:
3h11m19s
